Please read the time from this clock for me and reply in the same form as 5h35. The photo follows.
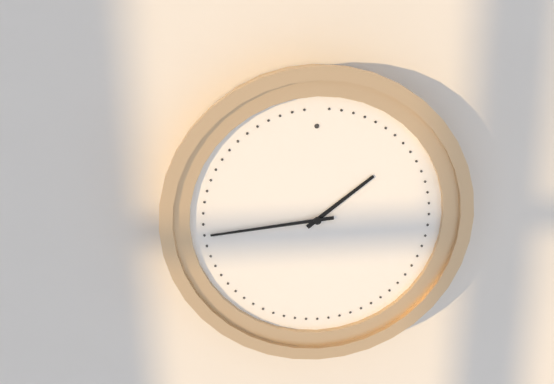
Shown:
1h44
